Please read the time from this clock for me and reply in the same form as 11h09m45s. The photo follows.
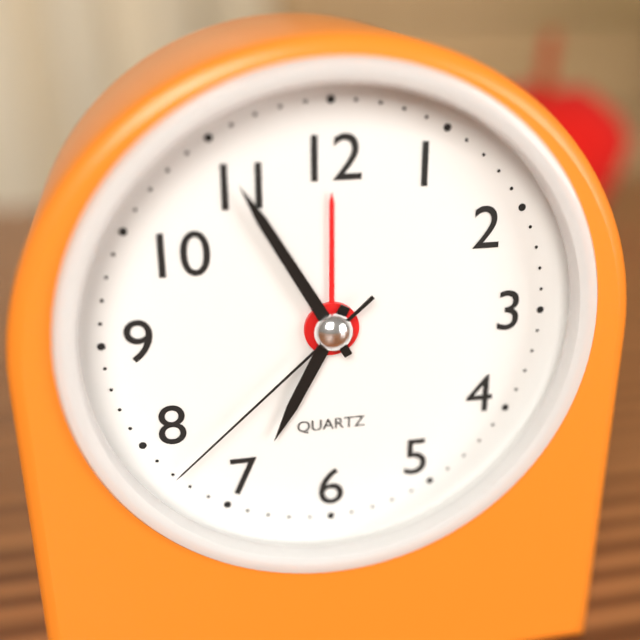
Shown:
6h55m38s
